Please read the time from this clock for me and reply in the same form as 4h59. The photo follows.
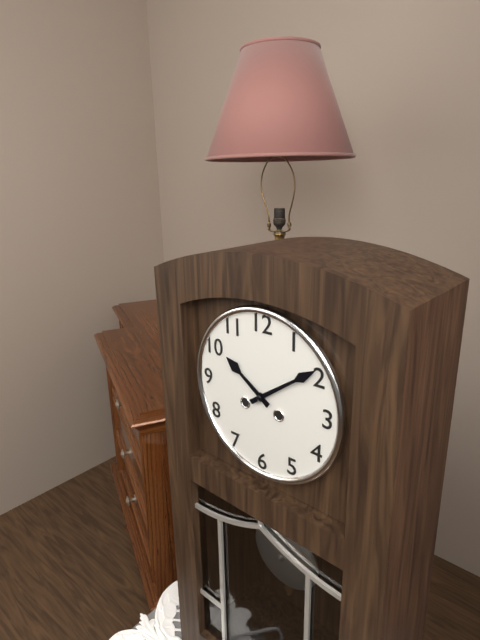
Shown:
10h09
